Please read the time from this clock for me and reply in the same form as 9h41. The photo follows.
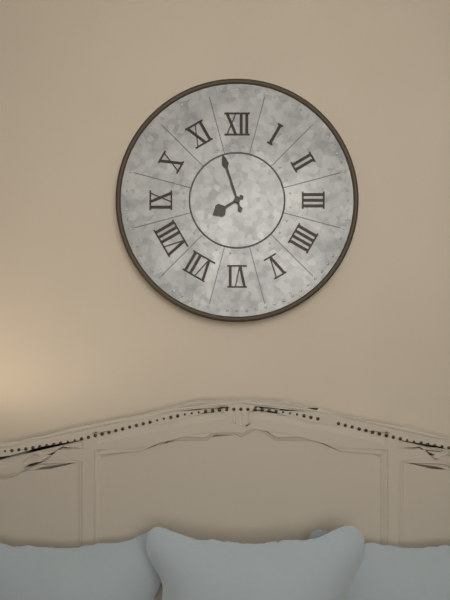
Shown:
7h57
